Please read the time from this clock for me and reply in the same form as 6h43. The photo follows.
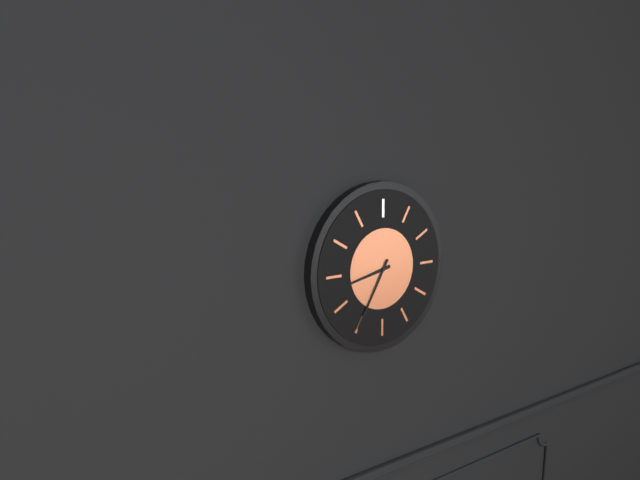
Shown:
8h35
